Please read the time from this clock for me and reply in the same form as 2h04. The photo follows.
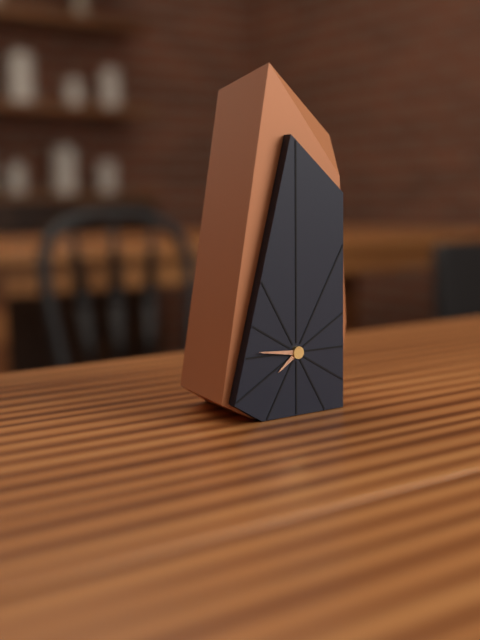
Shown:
7h46
